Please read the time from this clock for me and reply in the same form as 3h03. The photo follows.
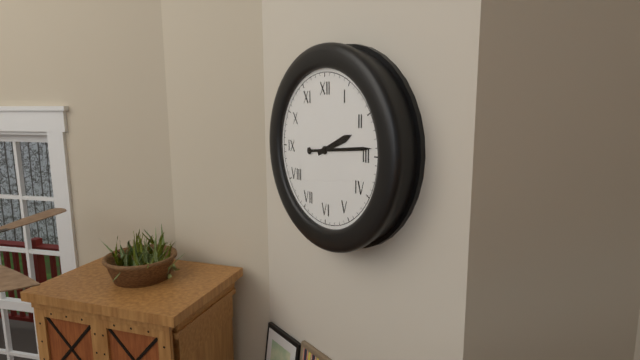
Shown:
2h14
